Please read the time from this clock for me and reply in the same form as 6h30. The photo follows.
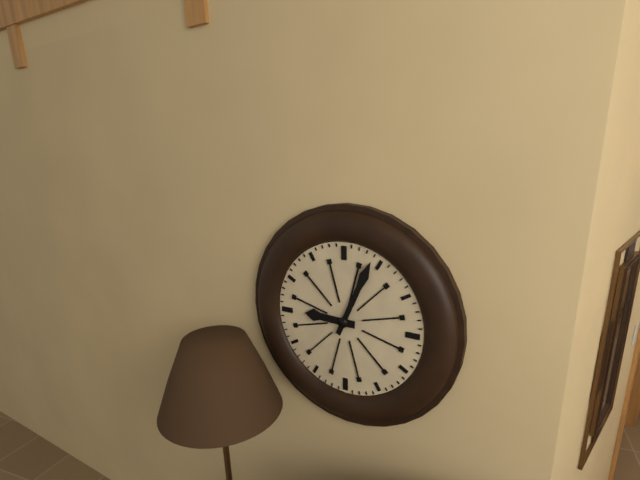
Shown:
9h04
